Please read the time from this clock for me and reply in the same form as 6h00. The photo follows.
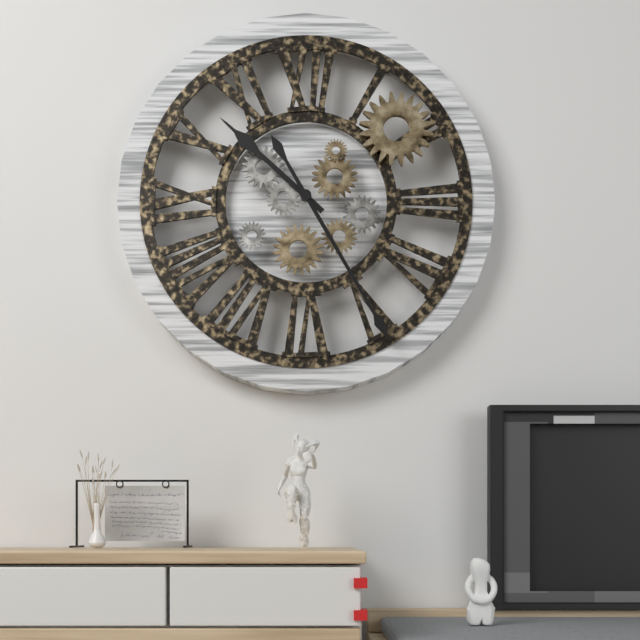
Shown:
10h25
